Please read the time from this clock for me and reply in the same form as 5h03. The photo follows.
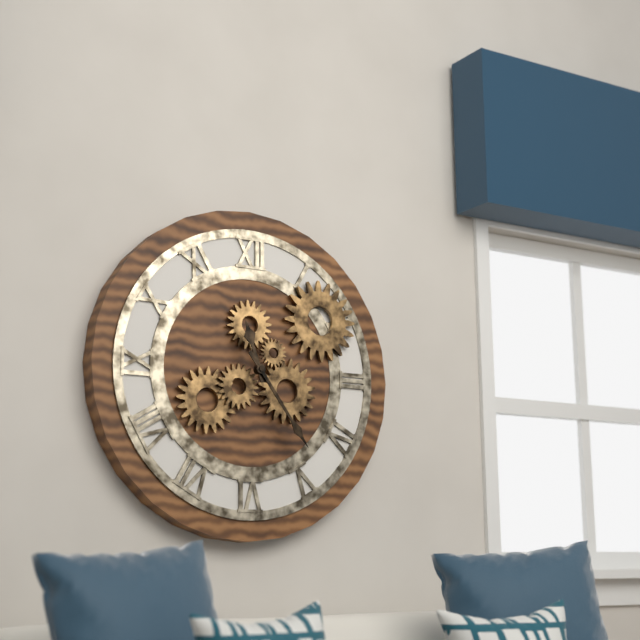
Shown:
11h24
